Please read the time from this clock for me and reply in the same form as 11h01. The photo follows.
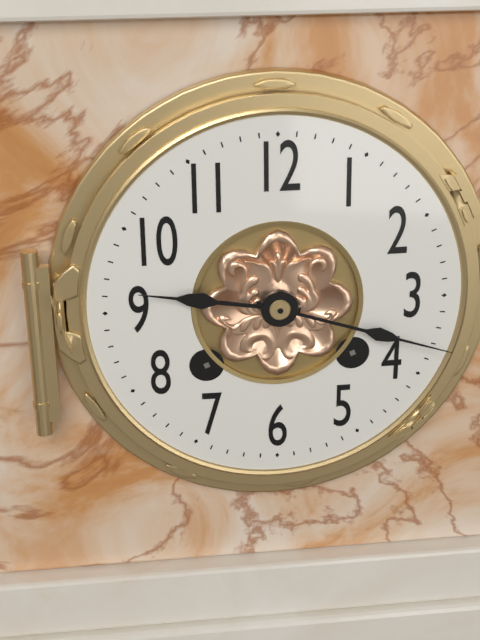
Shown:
9h18
